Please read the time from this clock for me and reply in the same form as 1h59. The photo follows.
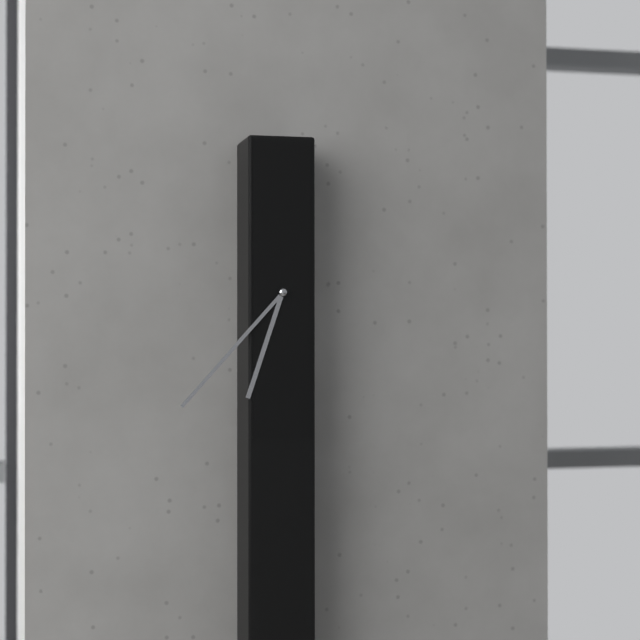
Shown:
6h37
